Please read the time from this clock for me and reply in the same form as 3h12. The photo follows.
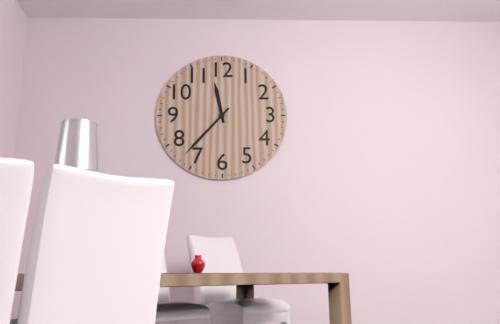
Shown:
11h37
